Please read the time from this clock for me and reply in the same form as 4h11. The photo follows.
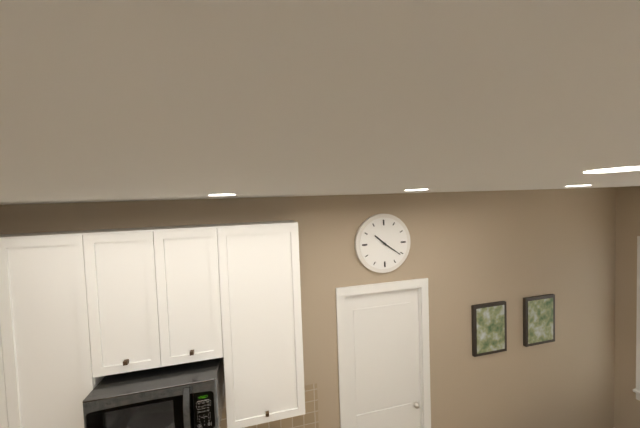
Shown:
10h21
